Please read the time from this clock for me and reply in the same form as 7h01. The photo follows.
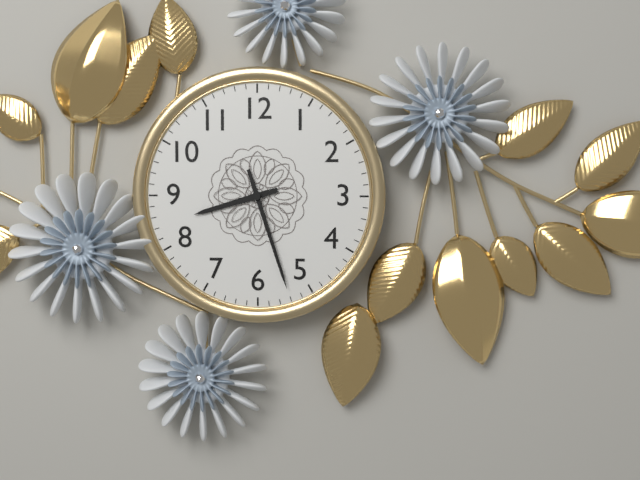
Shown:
8h27
